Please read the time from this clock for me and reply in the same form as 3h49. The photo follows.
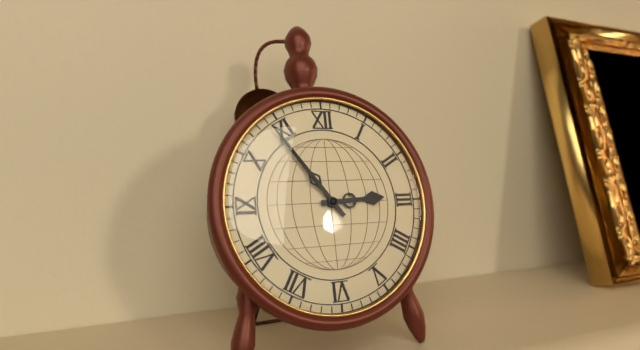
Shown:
2h54
